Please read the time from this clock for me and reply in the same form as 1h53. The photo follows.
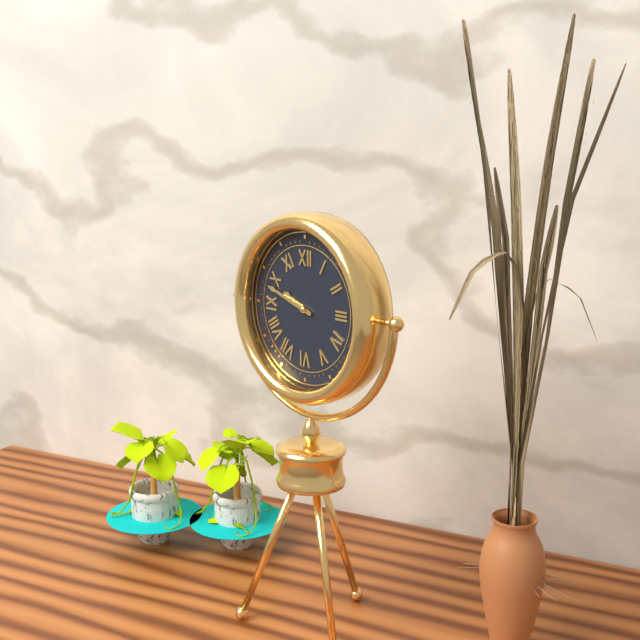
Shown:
9h48
